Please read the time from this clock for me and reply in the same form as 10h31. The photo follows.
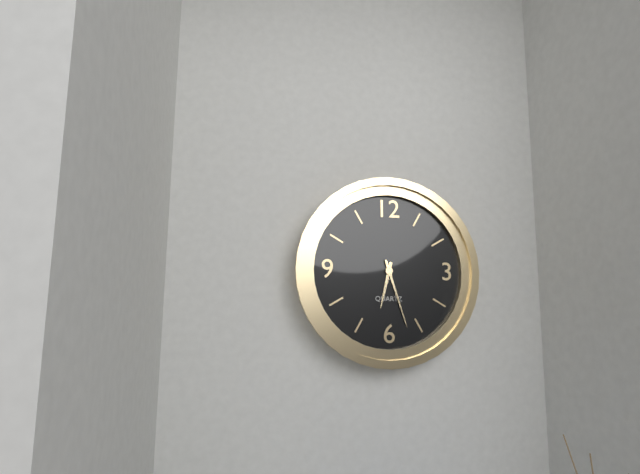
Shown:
6h27
